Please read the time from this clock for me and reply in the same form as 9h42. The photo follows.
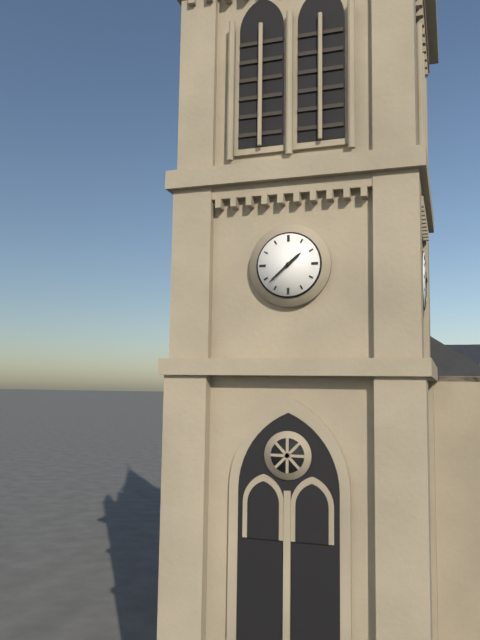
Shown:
1h38
